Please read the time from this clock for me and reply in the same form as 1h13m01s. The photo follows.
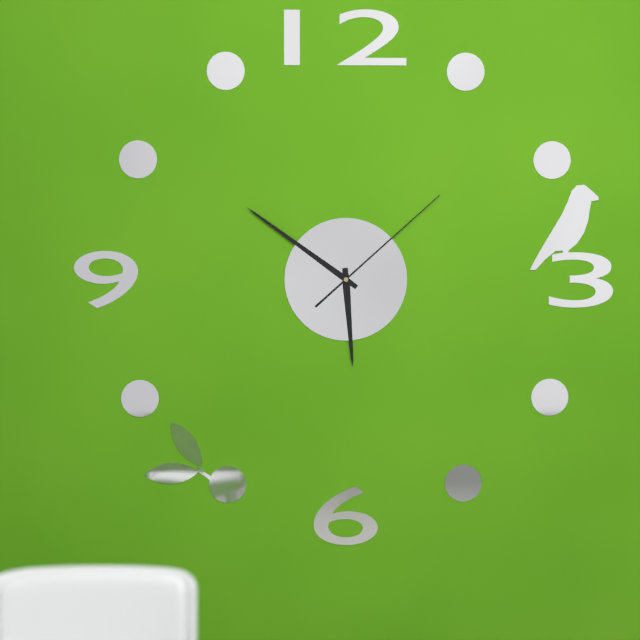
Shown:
5h51m08s
